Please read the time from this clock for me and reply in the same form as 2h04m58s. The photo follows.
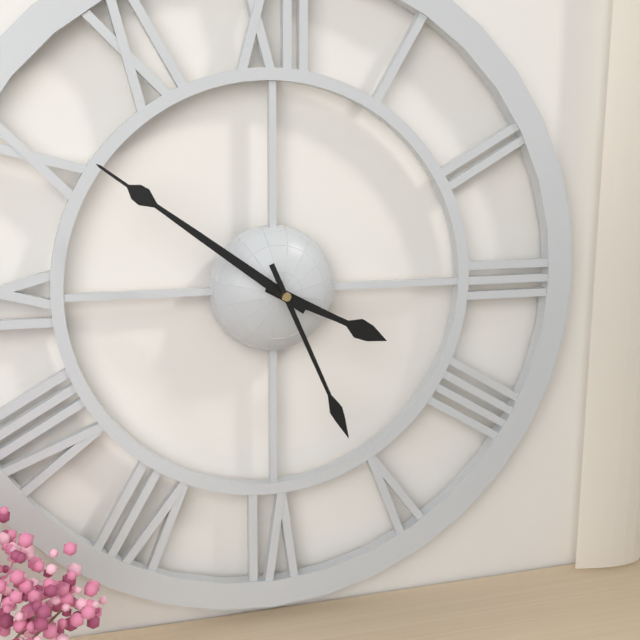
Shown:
3h51m26s
